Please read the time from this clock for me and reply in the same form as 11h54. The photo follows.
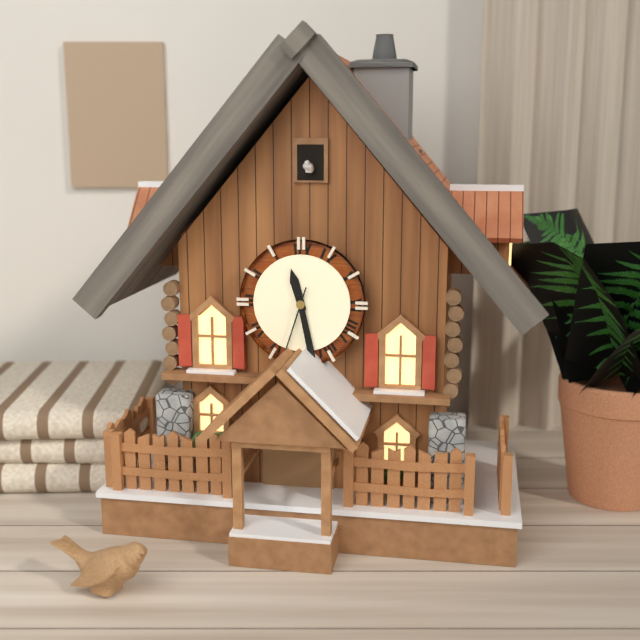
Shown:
11h28
